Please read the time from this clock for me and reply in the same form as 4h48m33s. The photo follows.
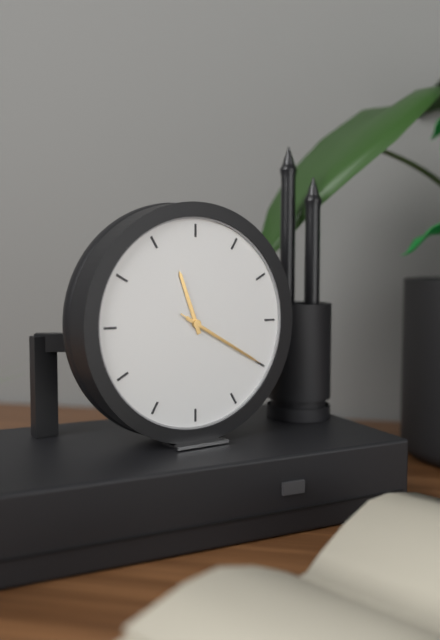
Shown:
11h20m20s
